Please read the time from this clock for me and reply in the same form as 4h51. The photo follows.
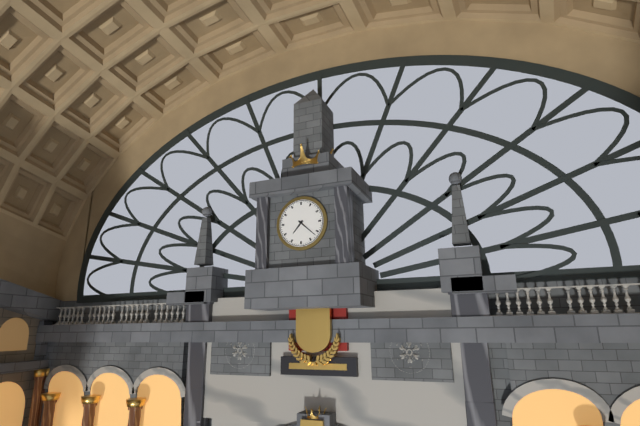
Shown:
7h22
